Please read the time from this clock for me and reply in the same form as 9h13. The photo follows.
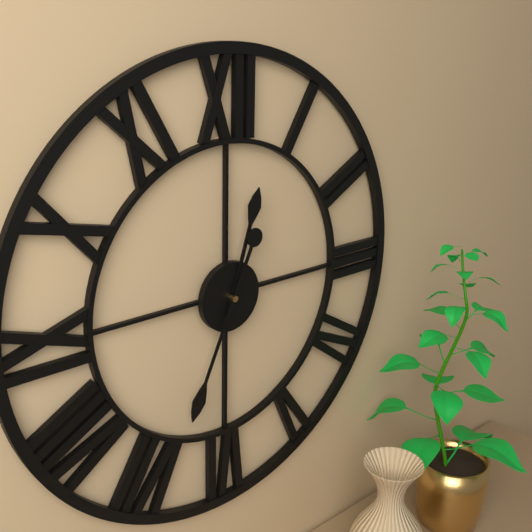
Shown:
12h34
